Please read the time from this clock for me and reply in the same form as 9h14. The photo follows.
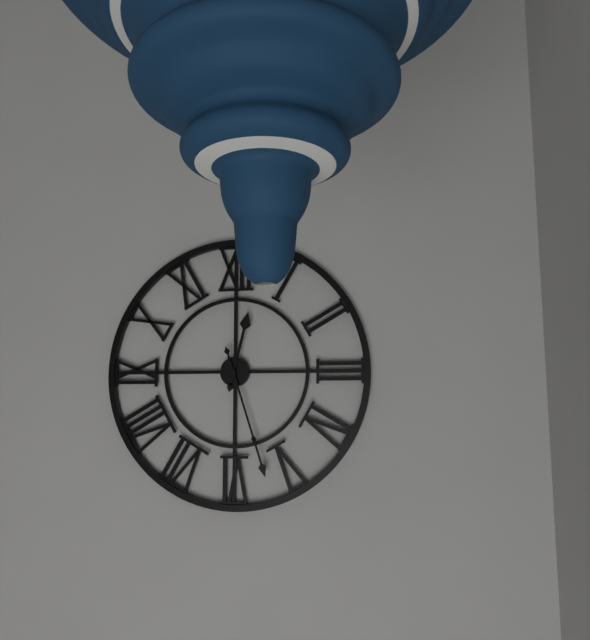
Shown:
12h27
